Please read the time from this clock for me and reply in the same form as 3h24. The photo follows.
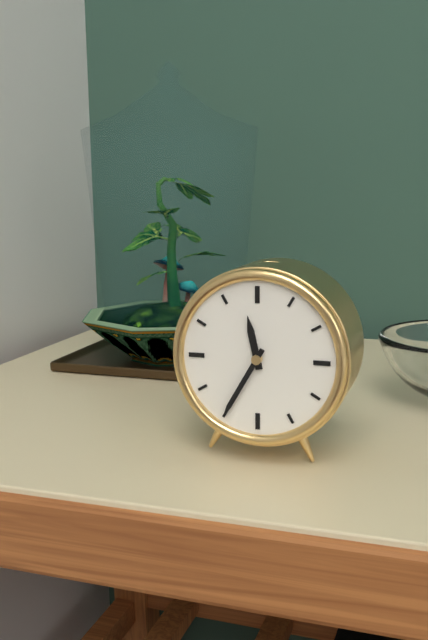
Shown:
11h35
